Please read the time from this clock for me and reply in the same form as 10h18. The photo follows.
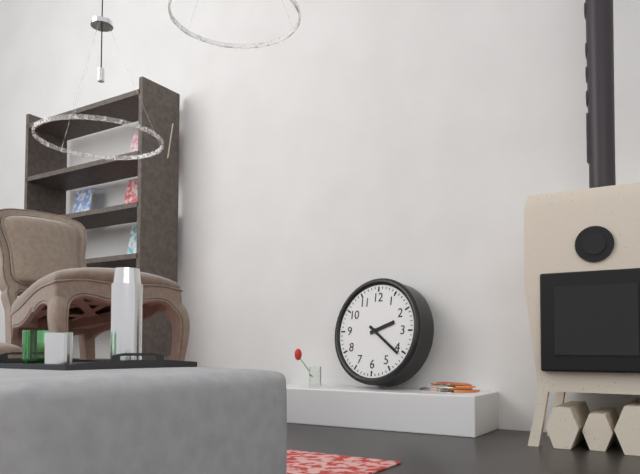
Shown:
2h21
